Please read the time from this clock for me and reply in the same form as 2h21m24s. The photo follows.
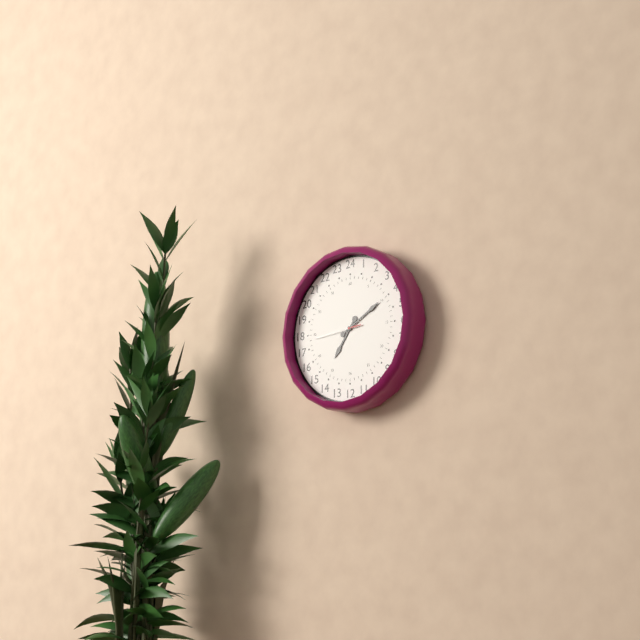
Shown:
7h10m44s
